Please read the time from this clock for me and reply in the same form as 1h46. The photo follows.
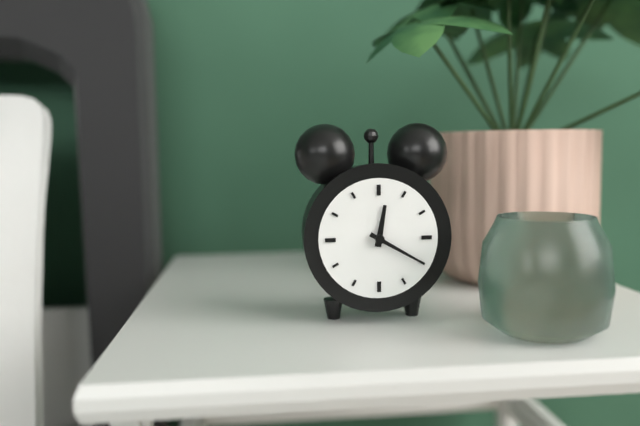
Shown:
12h20
